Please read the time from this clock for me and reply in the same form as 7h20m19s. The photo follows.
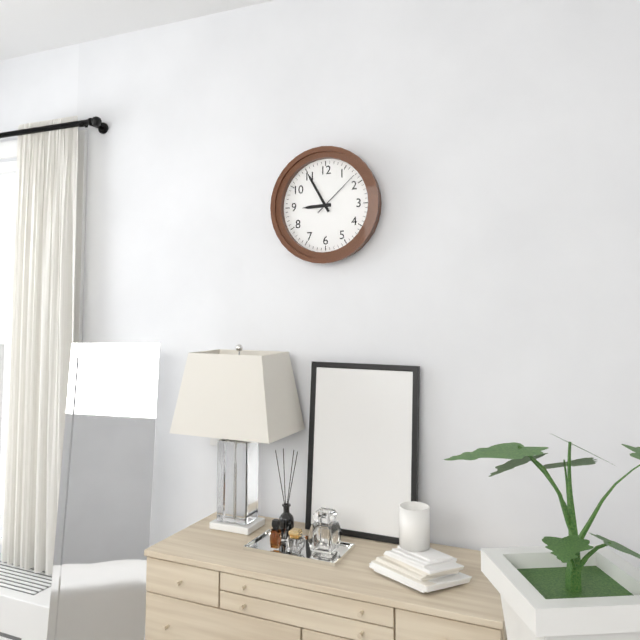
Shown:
8h55m08s
